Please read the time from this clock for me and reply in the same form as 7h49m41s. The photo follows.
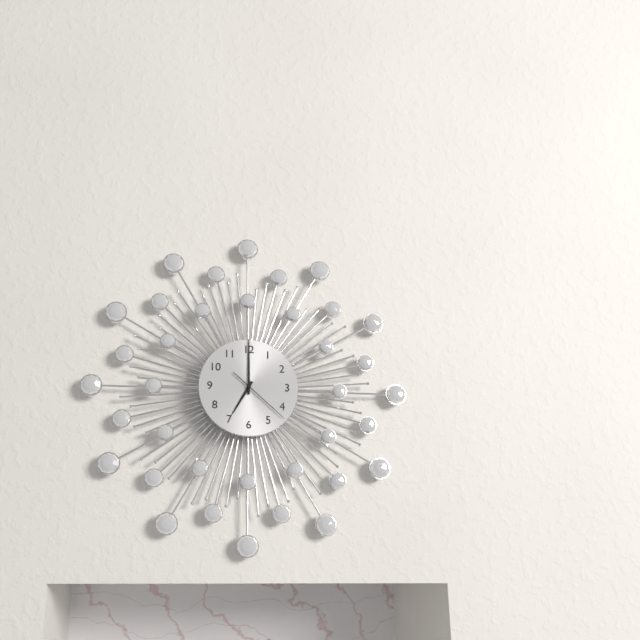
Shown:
7h00m22s
